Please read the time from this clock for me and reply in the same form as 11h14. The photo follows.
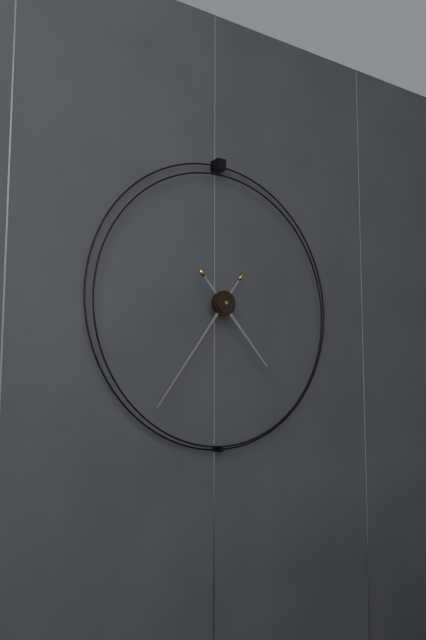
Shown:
4h36
